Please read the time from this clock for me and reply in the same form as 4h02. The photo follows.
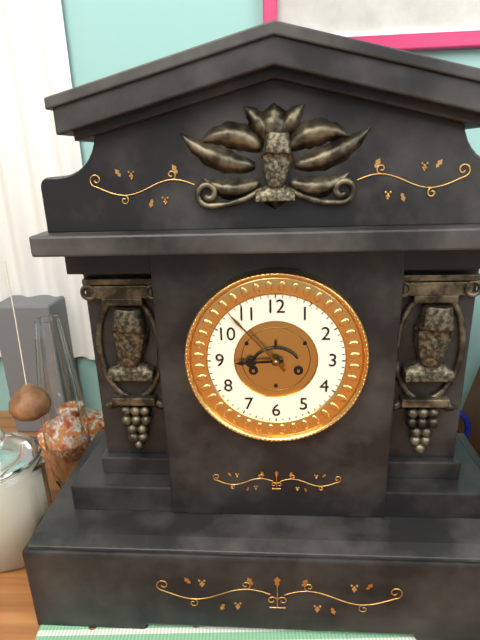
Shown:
8h53
